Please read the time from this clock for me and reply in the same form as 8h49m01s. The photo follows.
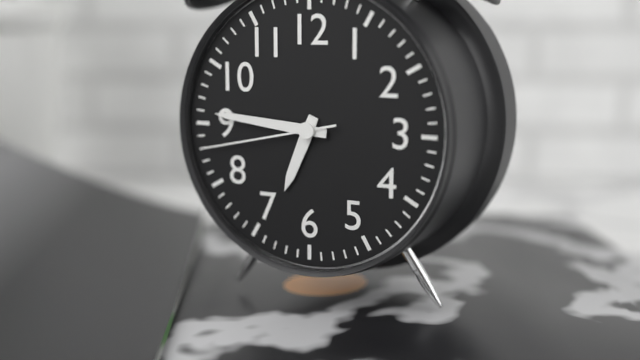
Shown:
6h46m43s
